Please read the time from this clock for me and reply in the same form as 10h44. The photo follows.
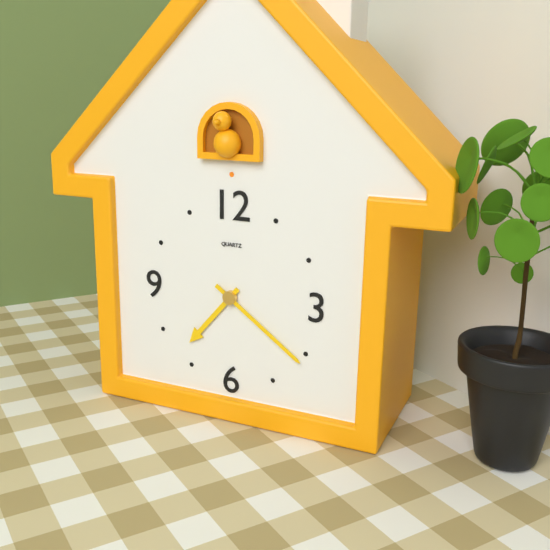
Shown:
7h21
